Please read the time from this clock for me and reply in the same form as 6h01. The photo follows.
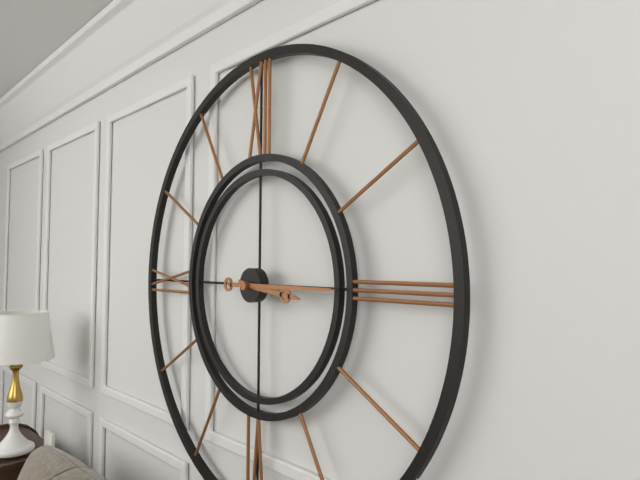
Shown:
3h15
